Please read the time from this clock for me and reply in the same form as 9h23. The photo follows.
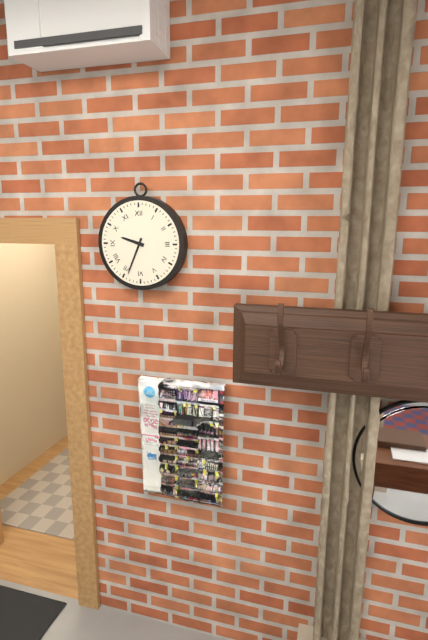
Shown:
9h34
